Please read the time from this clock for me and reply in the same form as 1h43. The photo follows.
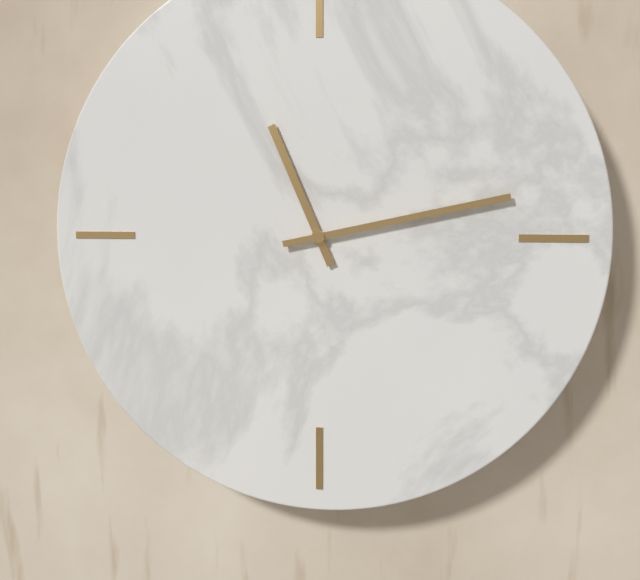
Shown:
11h13
